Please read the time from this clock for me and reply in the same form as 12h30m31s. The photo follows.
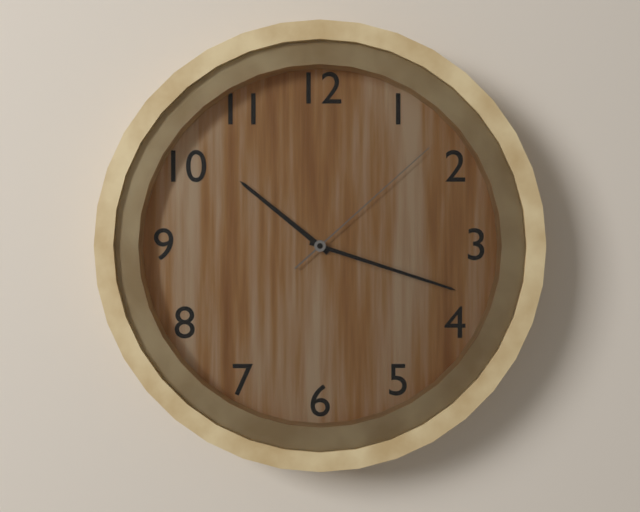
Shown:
10h18m08s
